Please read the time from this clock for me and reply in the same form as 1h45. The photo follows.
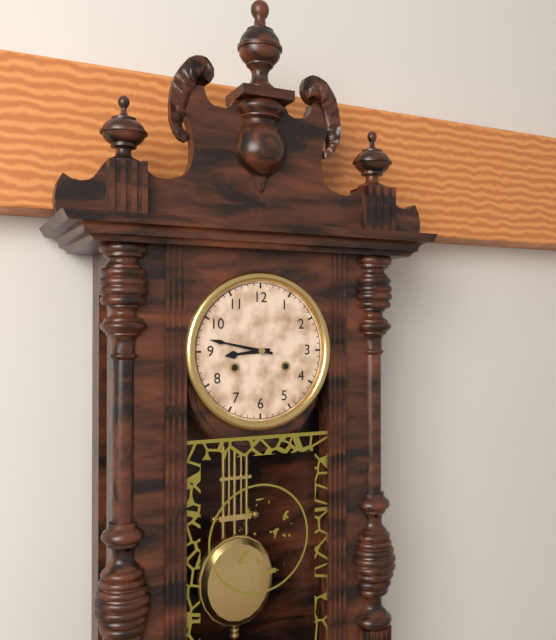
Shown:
8h47
